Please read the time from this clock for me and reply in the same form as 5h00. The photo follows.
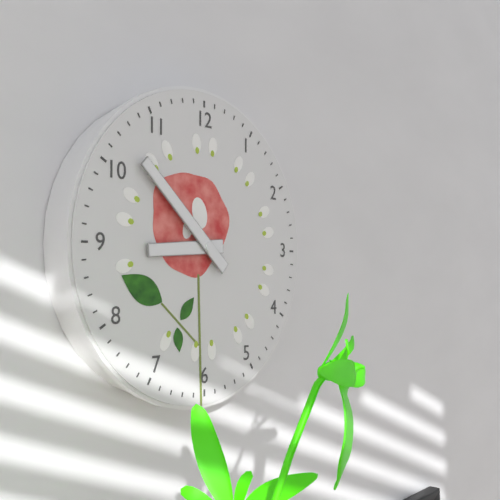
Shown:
8h52
